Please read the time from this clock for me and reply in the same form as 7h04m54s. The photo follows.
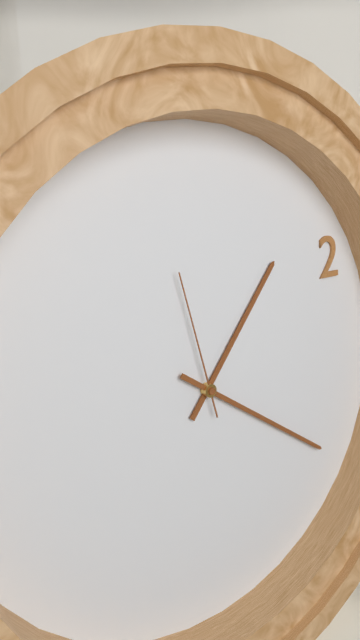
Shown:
1h21m58s
